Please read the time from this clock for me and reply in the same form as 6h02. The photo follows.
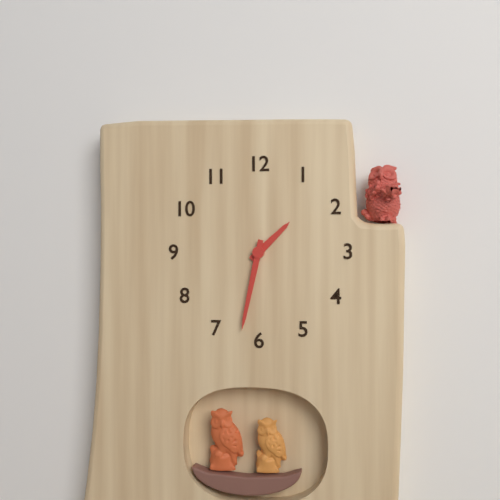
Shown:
1h32
